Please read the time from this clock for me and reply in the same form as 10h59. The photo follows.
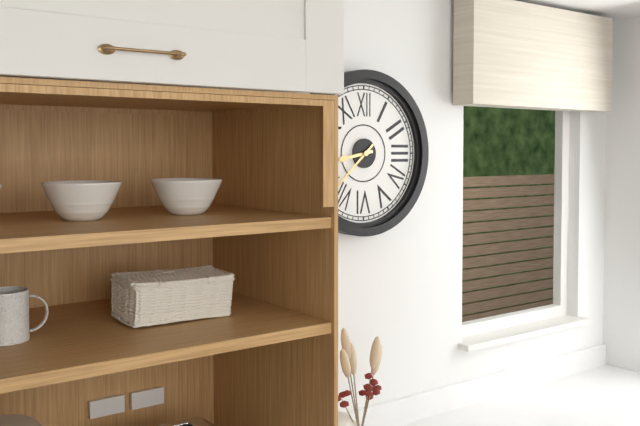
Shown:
8h38
